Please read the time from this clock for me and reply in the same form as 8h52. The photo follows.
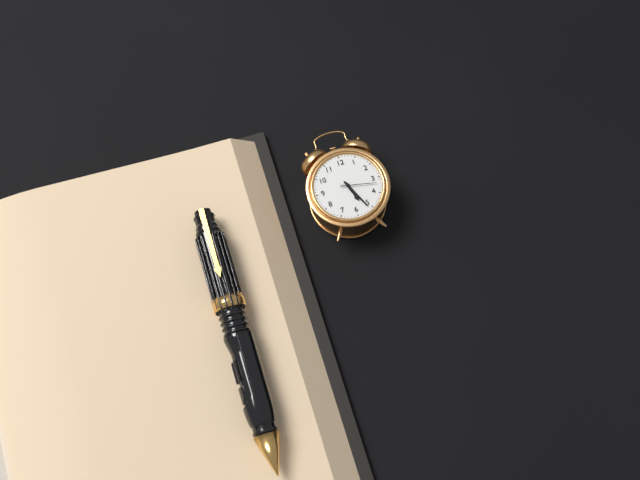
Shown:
5h26
